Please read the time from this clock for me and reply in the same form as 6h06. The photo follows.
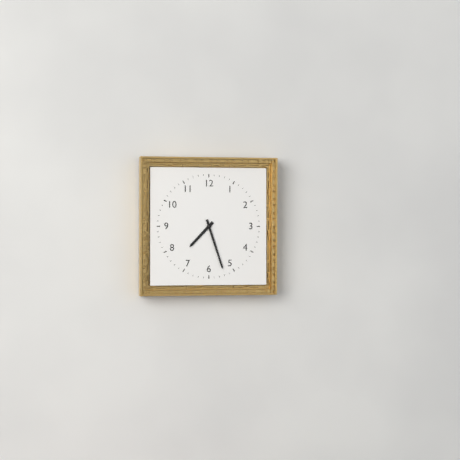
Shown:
7h27
